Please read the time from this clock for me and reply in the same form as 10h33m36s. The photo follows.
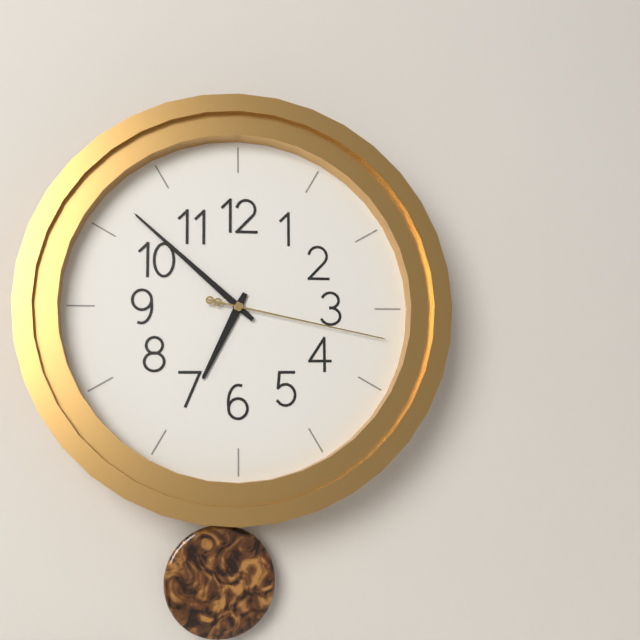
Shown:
6h52m17s
